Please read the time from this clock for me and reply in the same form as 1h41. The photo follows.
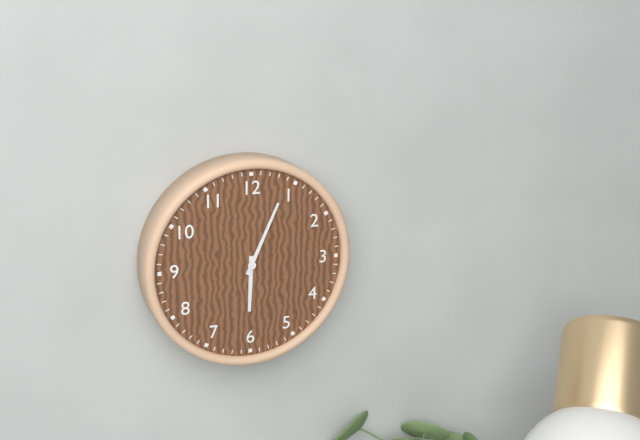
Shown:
6h04
